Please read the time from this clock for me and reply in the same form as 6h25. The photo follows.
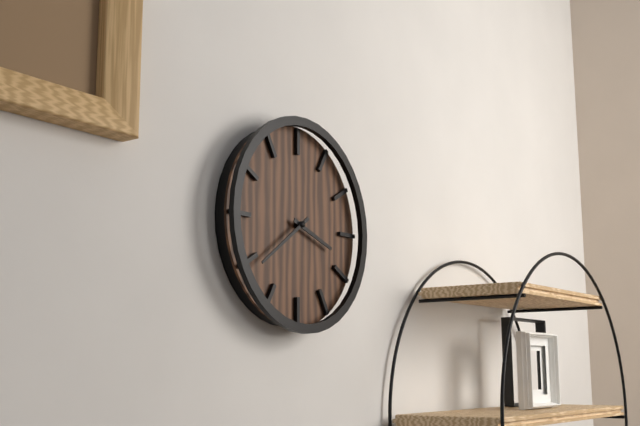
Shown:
3h39
